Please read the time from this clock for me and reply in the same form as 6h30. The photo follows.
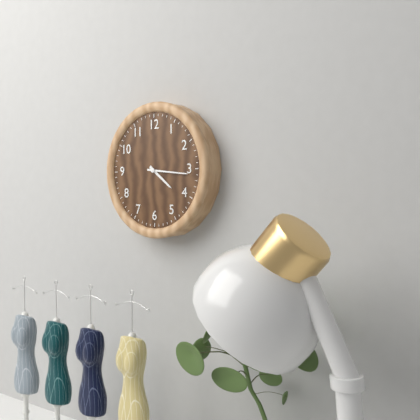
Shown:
4h16
